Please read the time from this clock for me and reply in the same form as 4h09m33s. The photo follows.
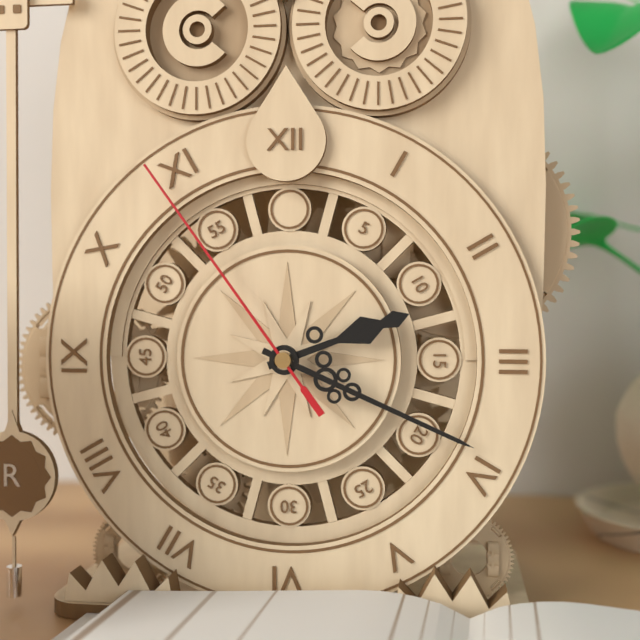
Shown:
2h19m54s
